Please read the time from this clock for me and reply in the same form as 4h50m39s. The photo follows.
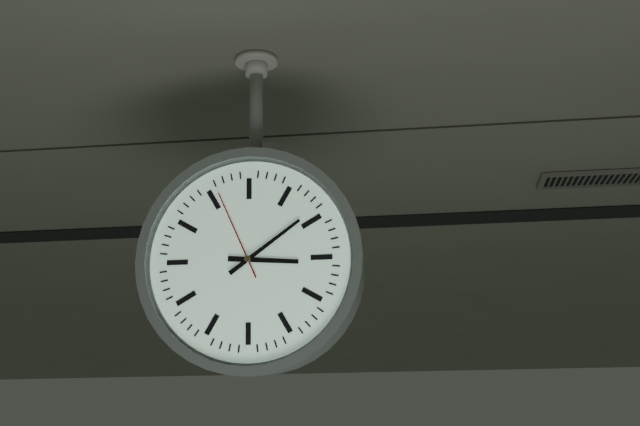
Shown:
3h09m56s
